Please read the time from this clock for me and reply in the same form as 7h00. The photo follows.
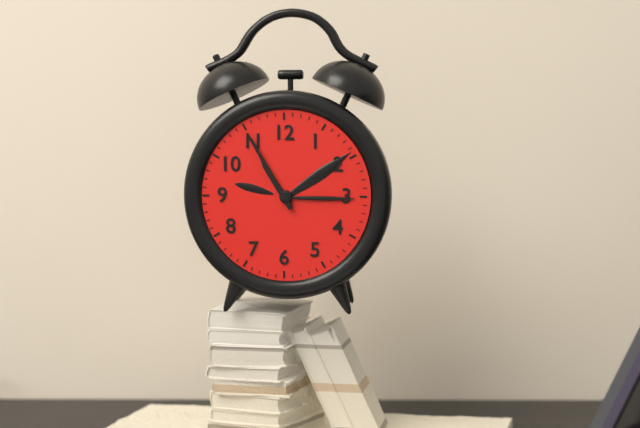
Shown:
10h55
